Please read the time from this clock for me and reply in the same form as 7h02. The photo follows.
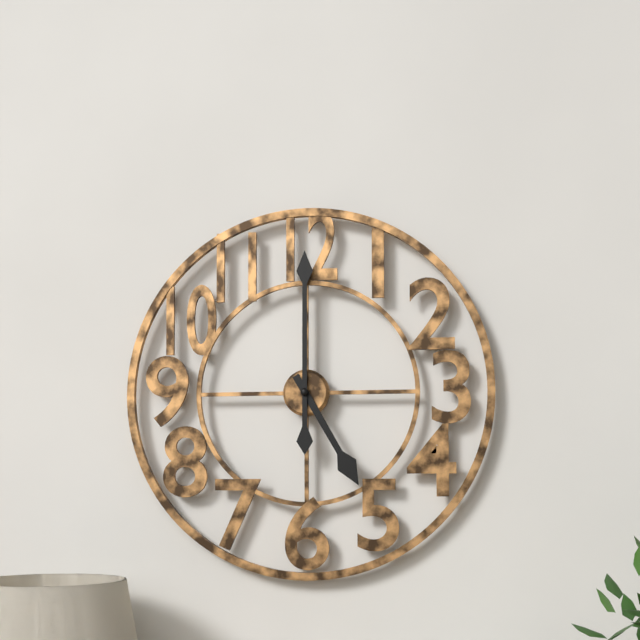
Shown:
5h00
